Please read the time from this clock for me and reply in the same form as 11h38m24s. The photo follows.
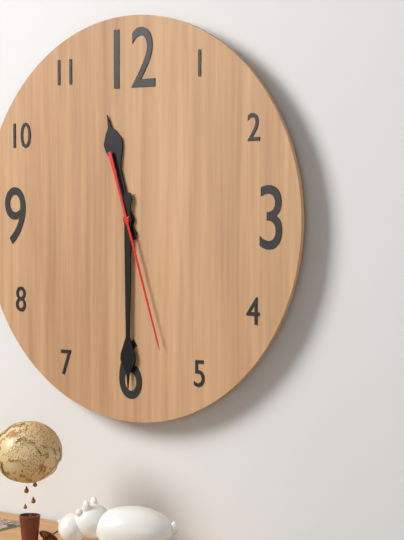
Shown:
11h30m27s
